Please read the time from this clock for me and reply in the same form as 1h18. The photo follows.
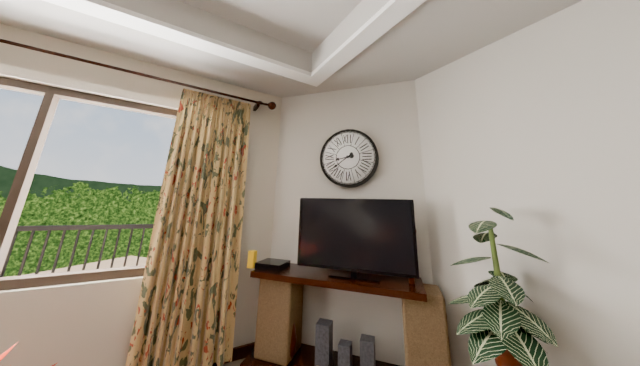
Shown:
8h39
